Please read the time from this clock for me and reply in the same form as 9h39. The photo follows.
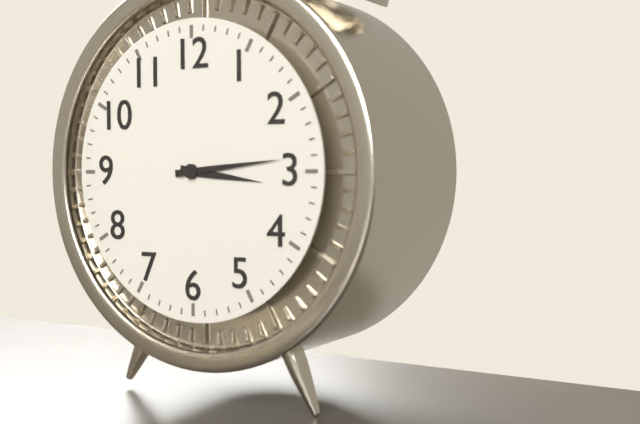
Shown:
3h14
